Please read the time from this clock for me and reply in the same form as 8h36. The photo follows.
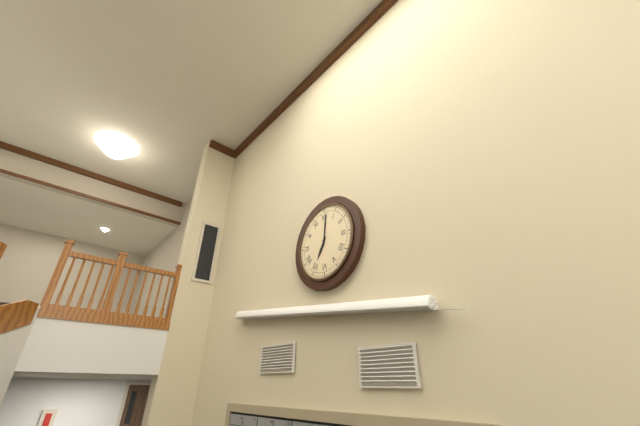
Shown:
7h01
